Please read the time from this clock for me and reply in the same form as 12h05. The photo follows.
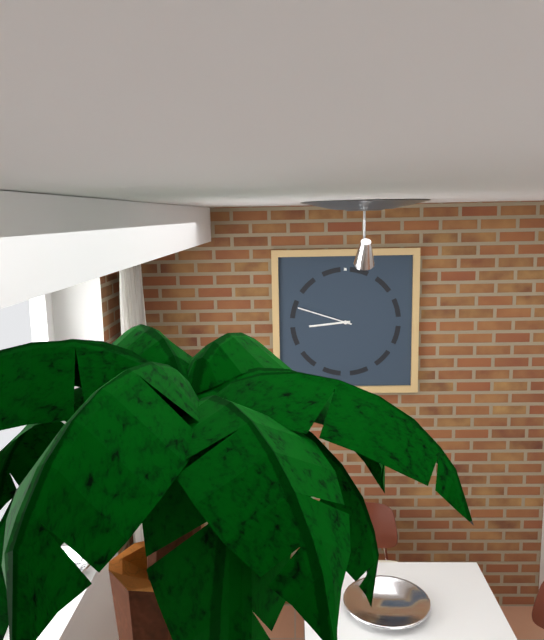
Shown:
8h48
